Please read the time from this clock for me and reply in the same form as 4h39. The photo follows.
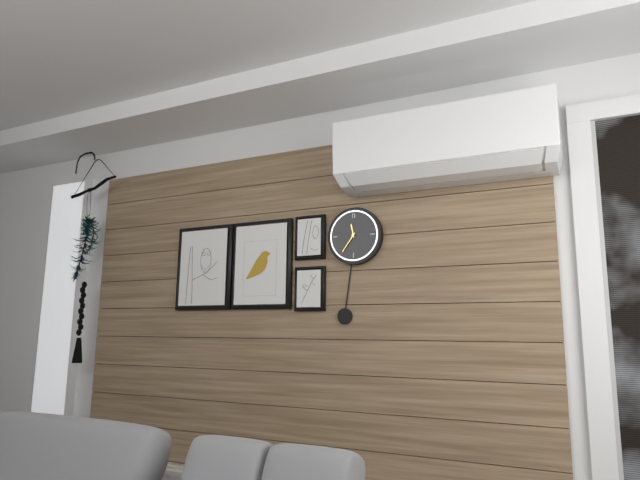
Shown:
11h36
